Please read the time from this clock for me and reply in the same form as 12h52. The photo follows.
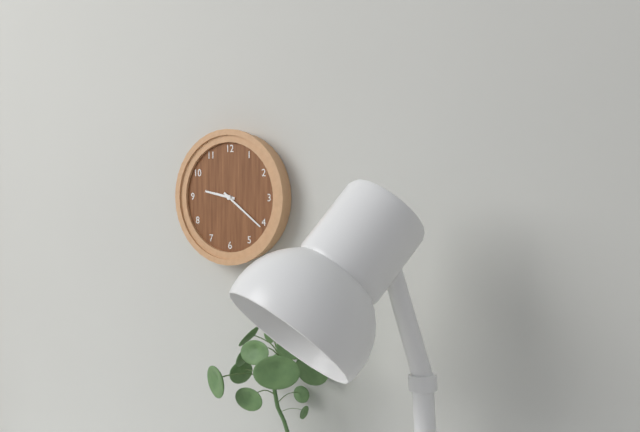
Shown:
9h21
